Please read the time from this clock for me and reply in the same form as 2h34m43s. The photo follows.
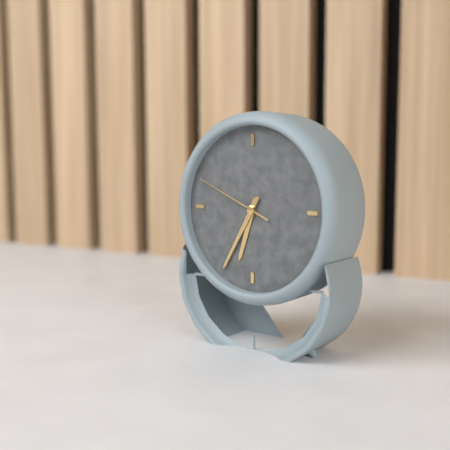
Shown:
6h35m49s
